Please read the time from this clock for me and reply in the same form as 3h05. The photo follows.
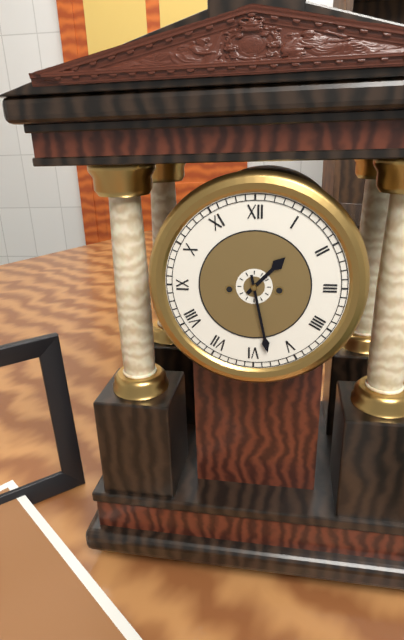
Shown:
1h28
